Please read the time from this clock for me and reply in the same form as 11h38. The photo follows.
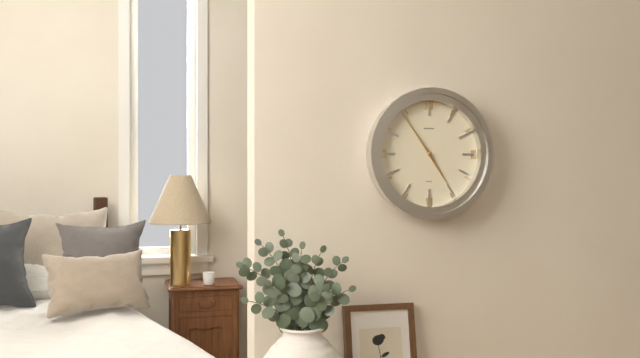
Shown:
4h54
